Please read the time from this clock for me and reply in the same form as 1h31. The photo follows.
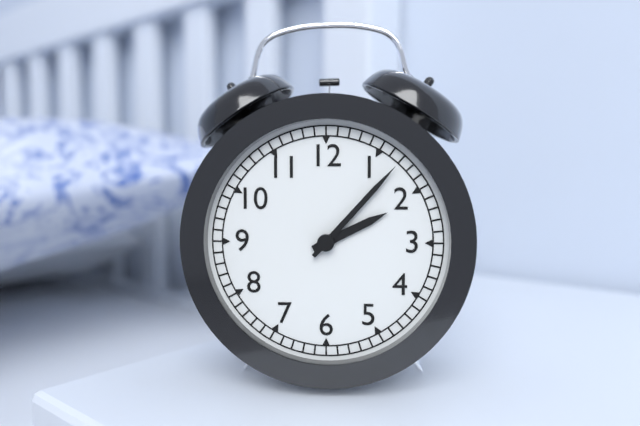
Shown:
2h07
